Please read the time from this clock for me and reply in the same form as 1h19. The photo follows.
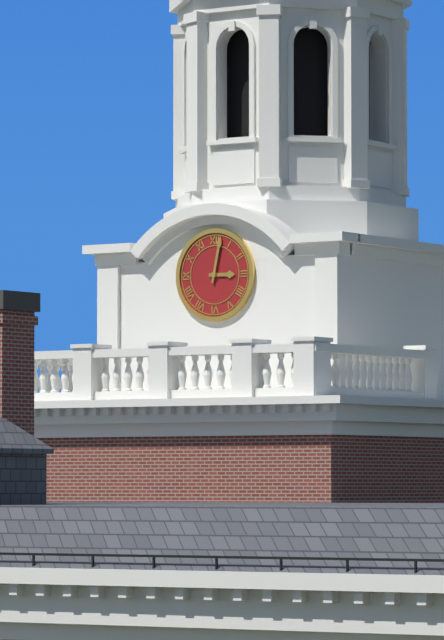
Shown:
3h02
